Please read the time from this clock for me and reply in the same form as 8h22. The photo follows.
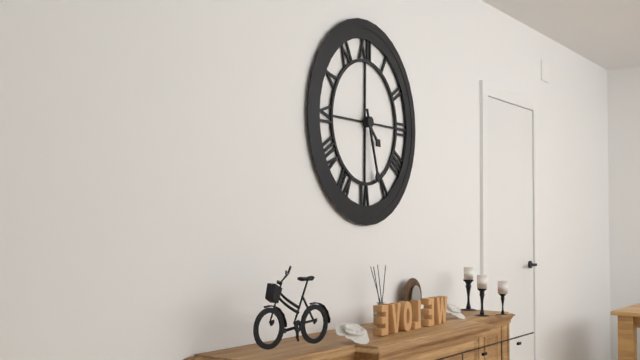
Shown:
4h27
